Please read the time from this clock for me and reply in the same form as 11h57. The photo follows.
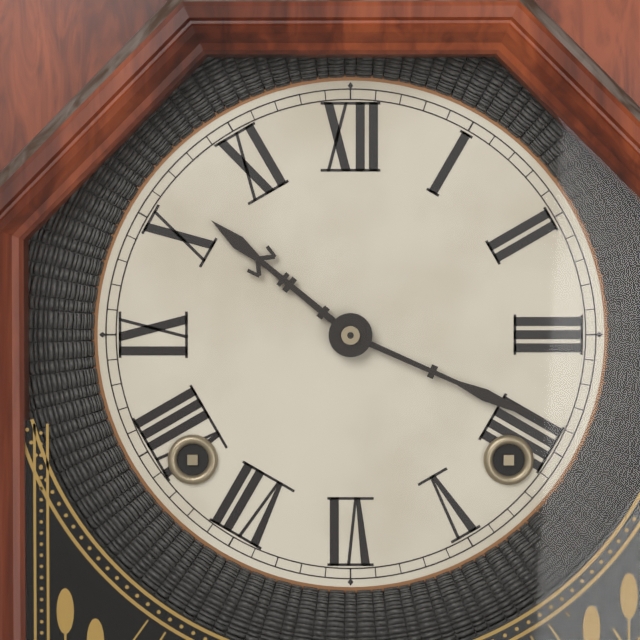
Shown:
10h19
